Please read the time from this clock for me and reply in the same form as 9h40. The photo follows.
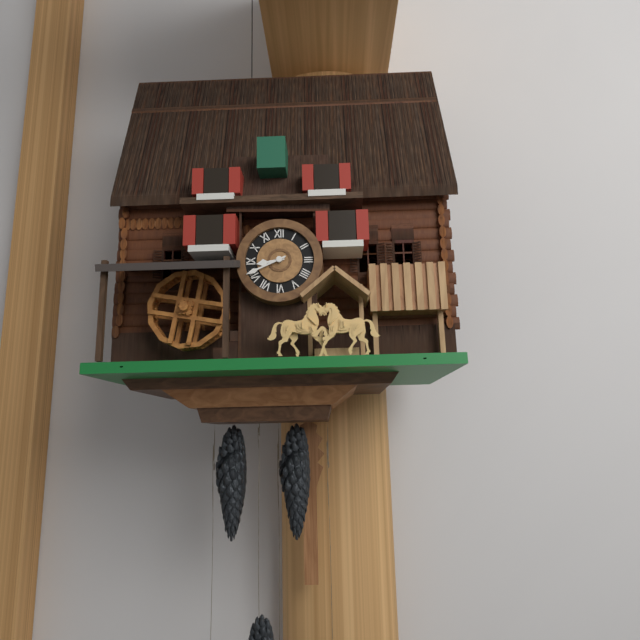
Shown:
8h41
